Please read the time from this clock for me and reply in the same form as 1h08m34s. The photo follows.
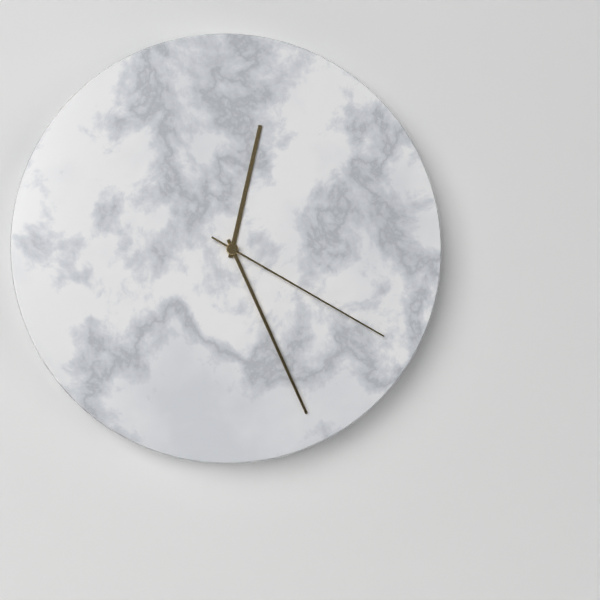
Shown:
12h26m20s
